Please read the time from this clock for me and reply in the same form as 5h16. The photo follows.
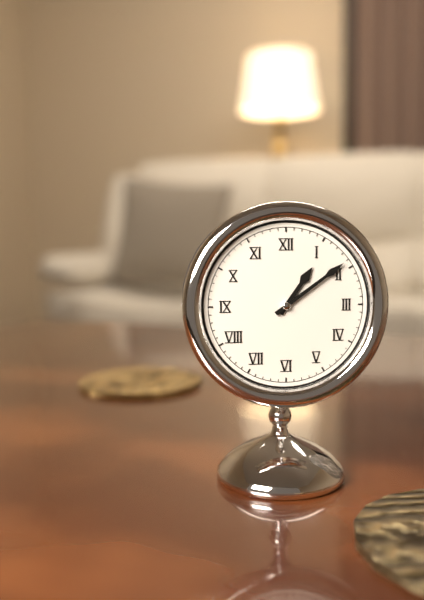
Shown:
1h09
